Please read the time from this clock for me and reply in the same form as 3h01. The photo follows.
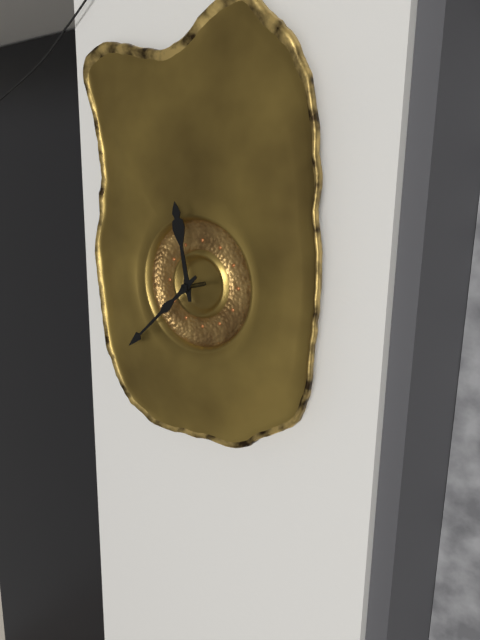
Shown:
11h38
